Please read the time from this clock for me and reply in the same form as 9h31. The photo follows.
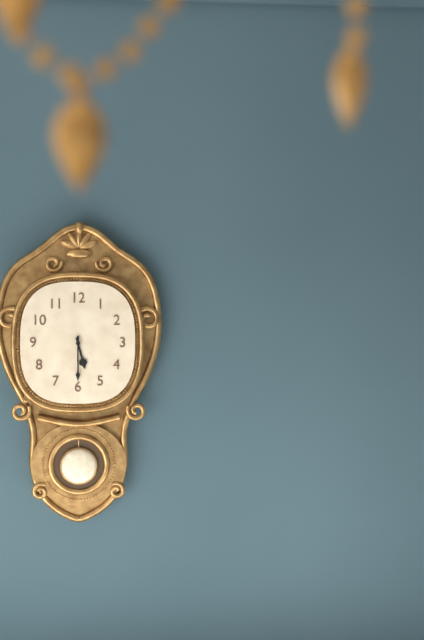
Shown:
5h30
